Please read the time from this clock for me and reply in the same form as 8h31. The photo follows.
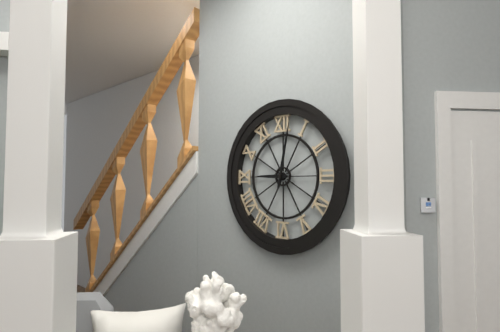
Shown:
9h02
